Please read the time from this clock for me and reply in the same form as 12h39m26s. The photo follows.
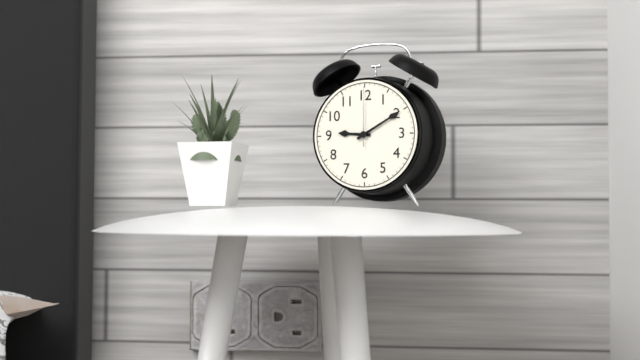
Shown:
9h10m00s
